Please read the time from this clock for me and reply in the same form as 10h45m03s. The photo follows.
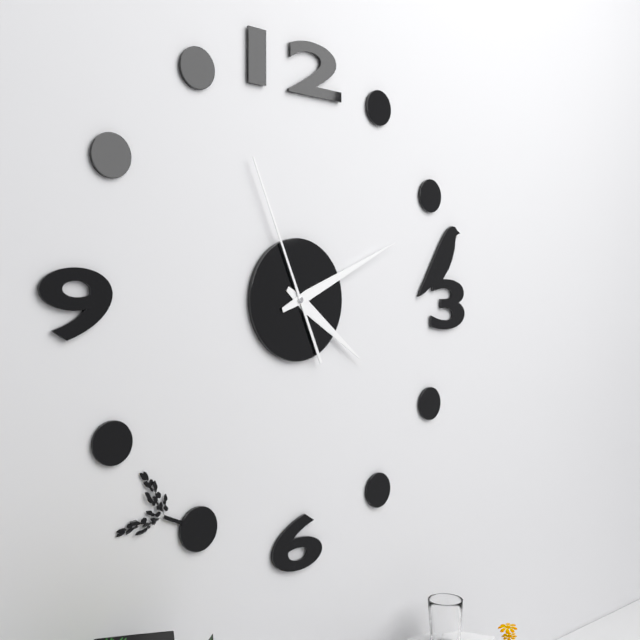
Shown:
4h11m56s
